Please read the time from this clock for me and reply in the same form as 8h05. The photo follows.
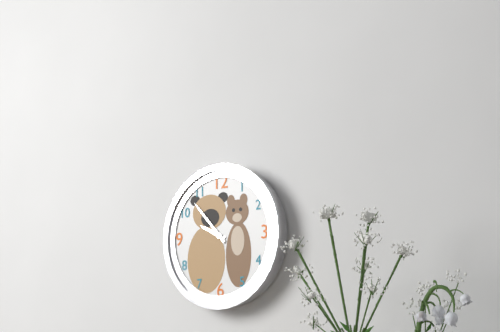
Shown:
9h53
